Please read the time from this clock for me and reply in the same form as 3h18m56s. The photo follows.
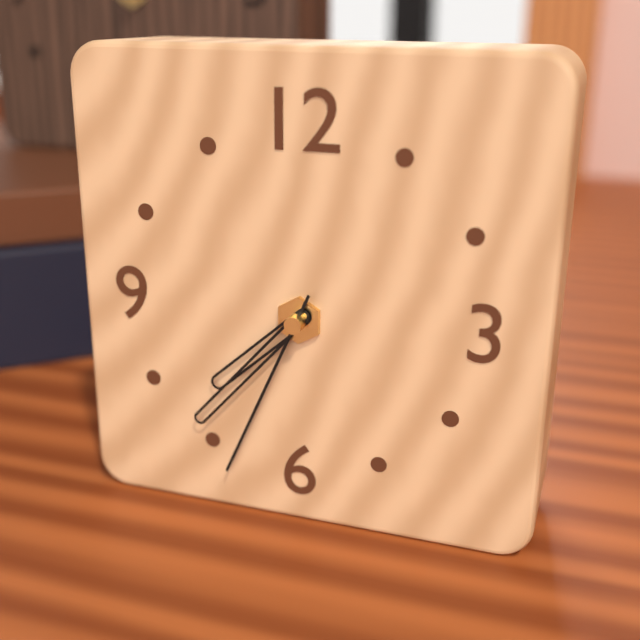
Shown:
7h37m34s
